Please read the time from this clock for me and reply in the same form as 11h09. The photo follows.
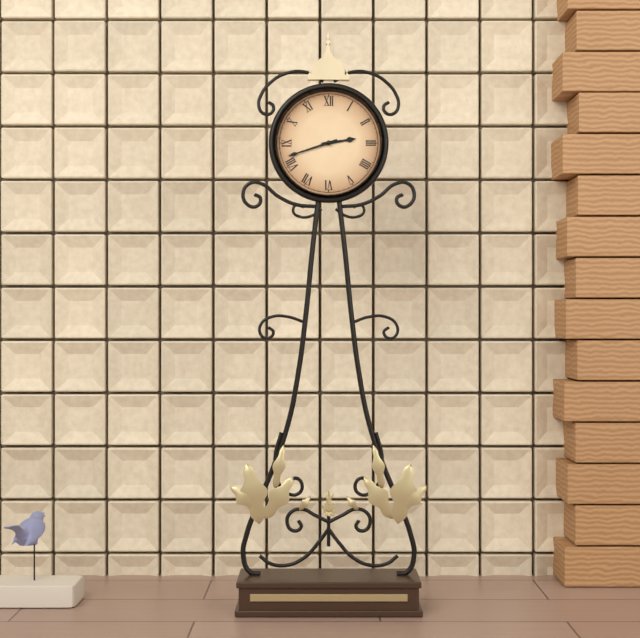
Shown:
2h42
